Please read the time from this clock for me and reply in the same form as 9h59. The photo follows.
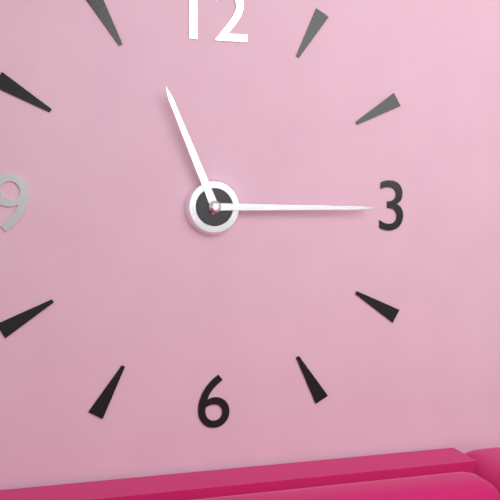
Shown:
11h15
